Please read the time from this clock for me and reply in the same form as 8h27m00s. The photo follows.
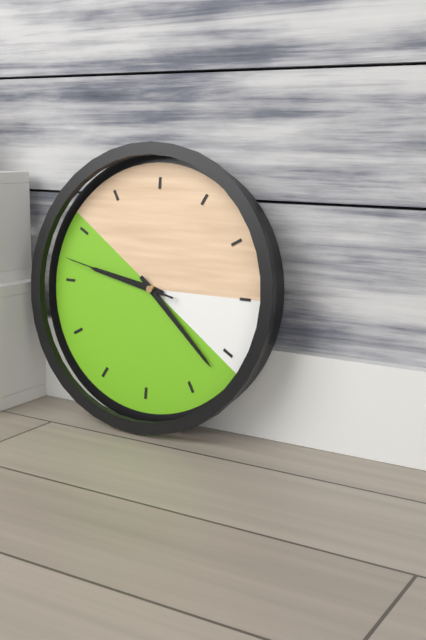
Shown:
9h22m47s
